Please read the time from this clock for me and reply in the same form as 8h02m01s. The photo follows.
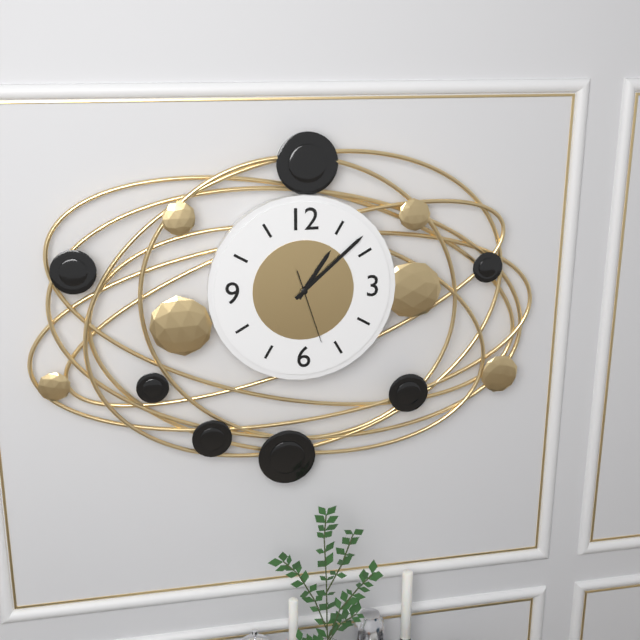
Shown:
1h08m27s
